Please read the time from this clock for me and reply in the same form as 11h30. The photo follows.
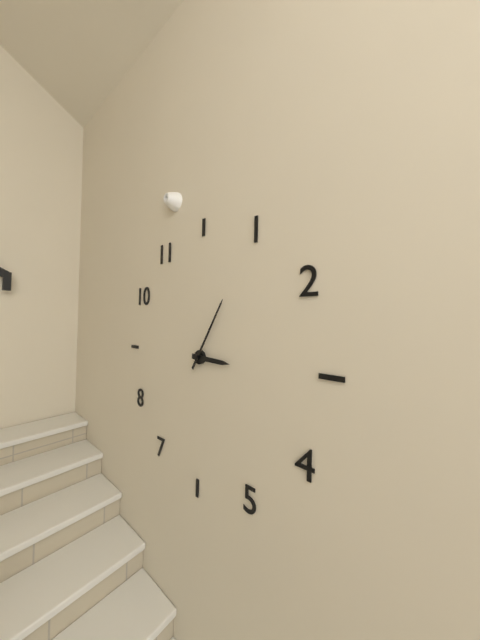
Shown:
3h05
